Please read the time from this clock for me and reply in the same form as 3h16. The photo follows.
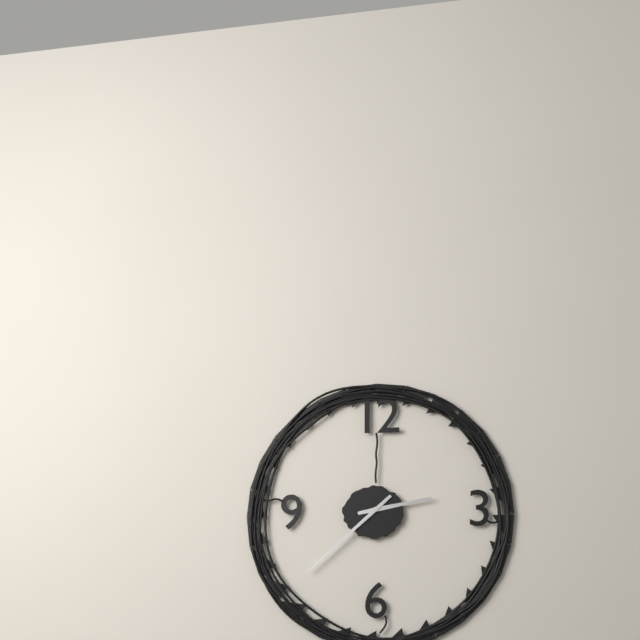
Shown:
2h38
